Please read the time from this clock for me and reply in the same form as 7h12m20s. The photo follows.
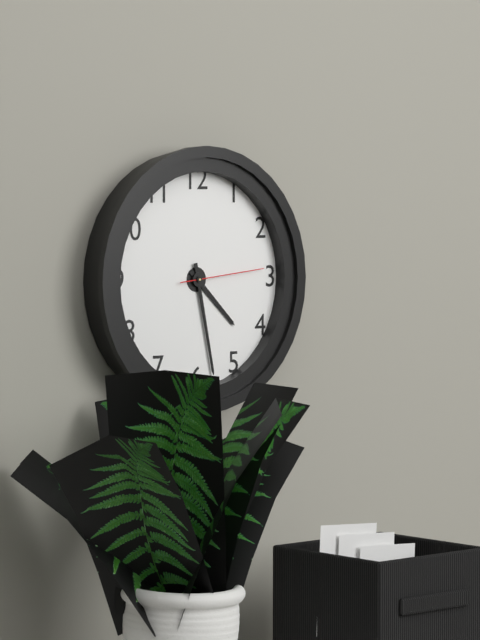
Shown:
4h28m14s
